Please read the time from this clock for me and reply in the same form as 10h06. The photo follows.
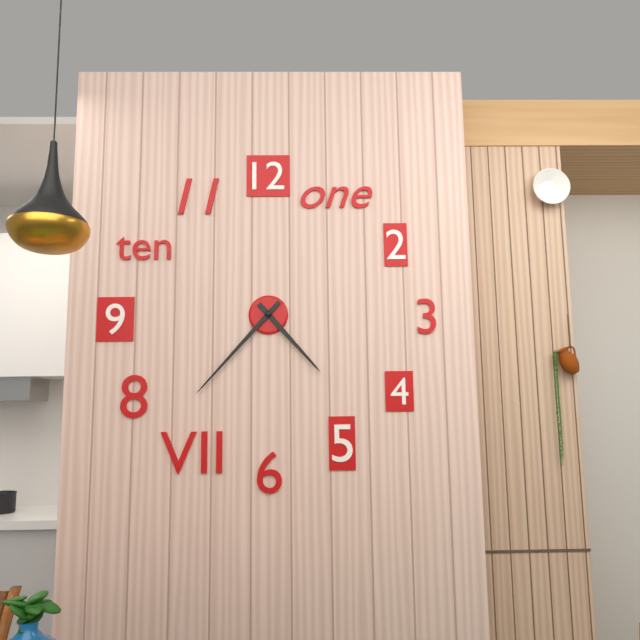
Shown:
4h37
